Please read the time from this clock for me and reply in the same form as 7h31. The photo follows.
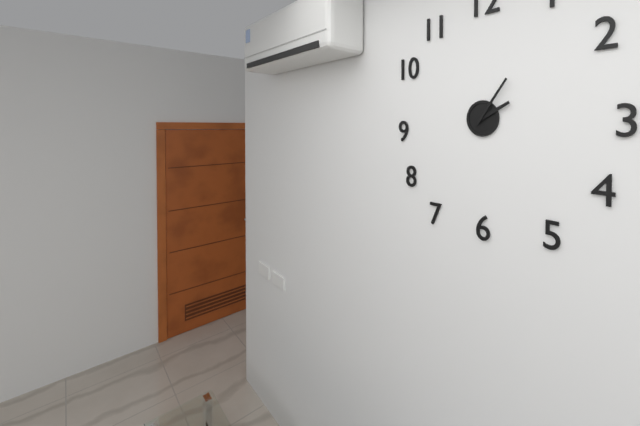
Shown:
2h06
